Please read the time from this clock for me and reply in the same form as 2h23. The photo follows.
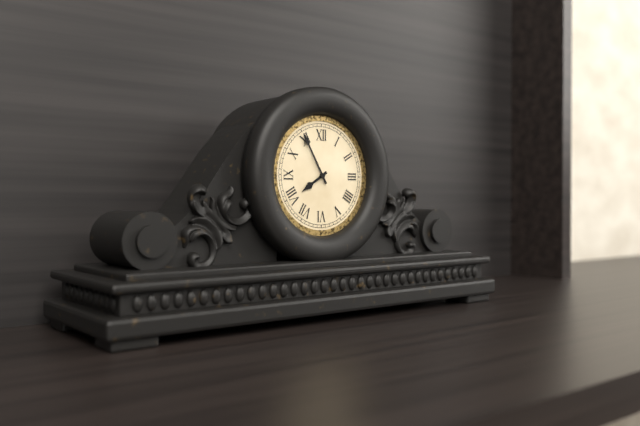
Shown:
7h55
